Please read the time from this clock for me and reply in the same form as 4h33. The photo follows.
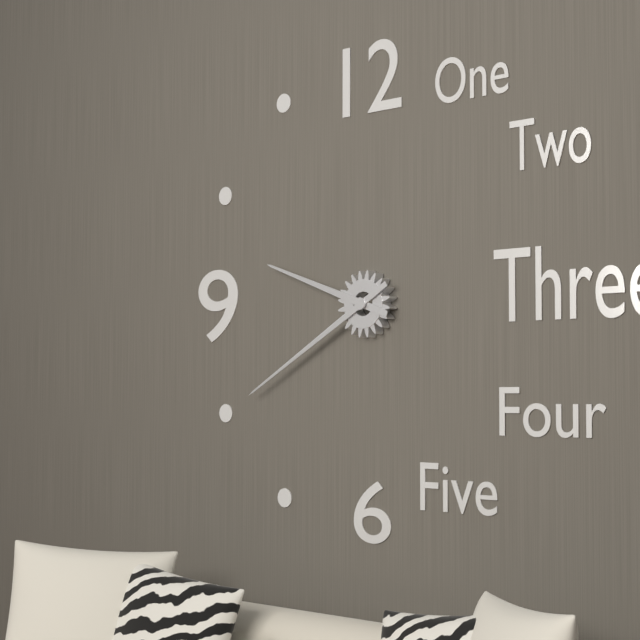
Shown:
9h40
